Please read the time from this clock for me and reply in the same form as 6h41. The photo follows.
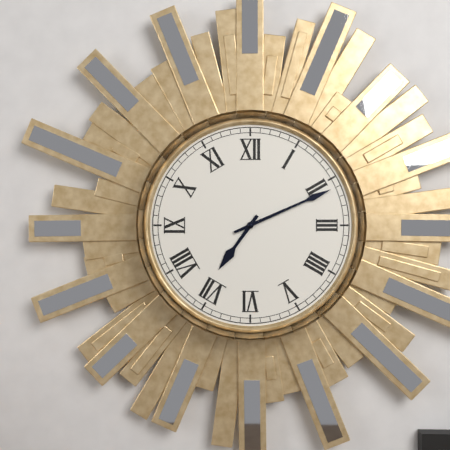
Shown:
7h11
